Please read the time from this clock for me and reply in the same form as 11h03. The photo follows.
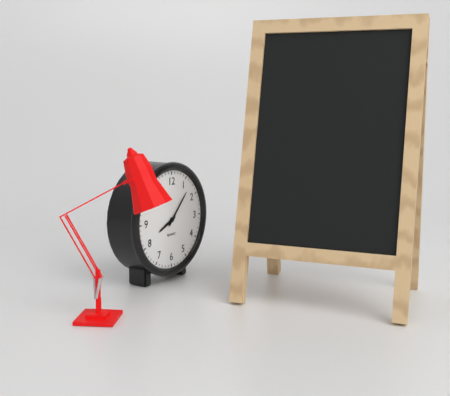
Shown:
8h07
